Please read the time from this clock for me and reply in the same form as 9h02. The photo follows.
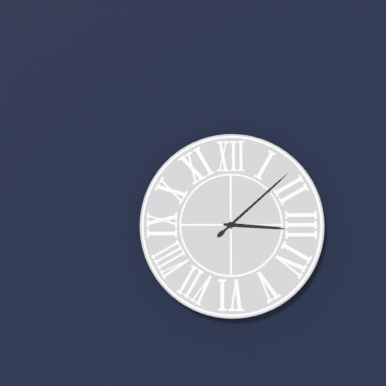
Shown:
3h08
